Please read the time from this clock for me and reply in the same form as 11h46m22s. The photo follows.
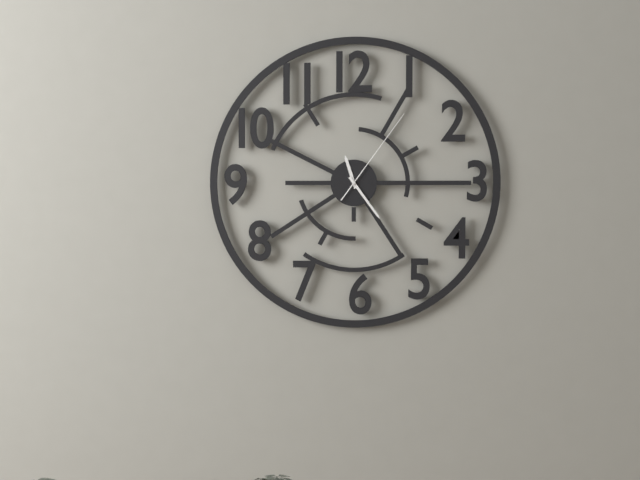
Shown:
11h24m06s
